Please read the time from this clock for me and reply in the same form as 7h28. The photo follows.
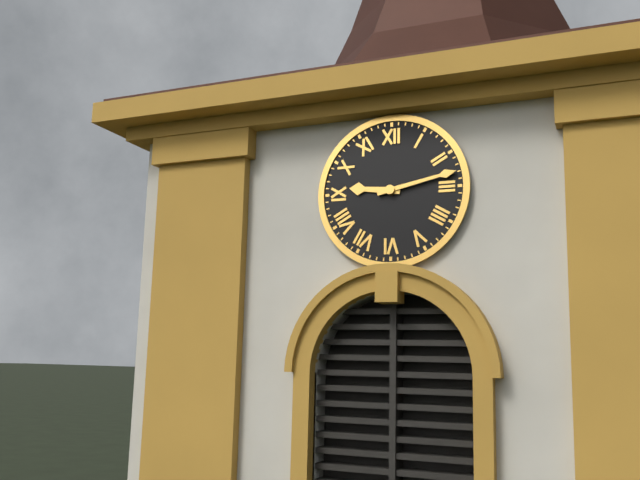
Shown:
9h13
